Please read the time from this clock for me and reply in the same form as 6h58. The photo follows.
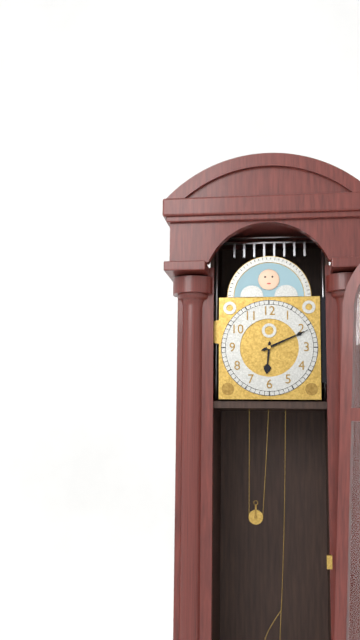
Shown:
6h11
